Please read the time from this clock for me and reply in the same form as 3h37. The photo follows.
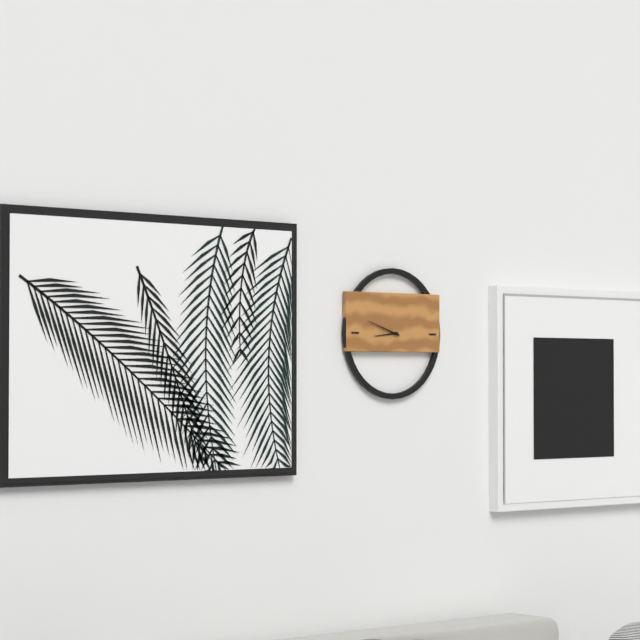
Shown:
8h48
